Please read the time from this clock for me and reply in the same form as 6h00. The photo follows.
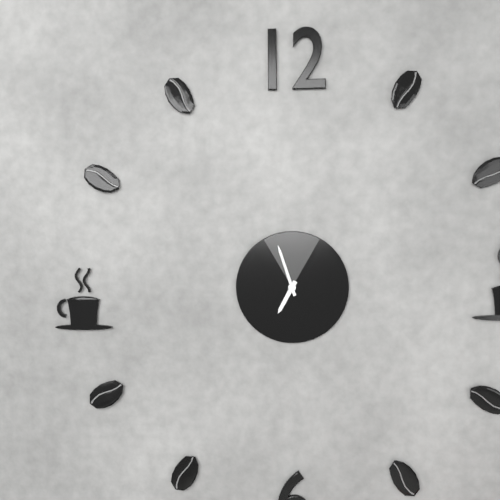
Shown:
6h57
